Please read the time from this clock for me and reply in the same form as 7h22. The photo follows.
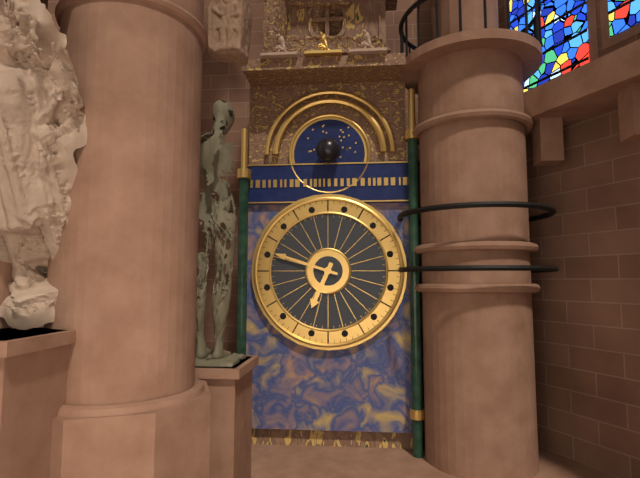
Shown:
6h48
